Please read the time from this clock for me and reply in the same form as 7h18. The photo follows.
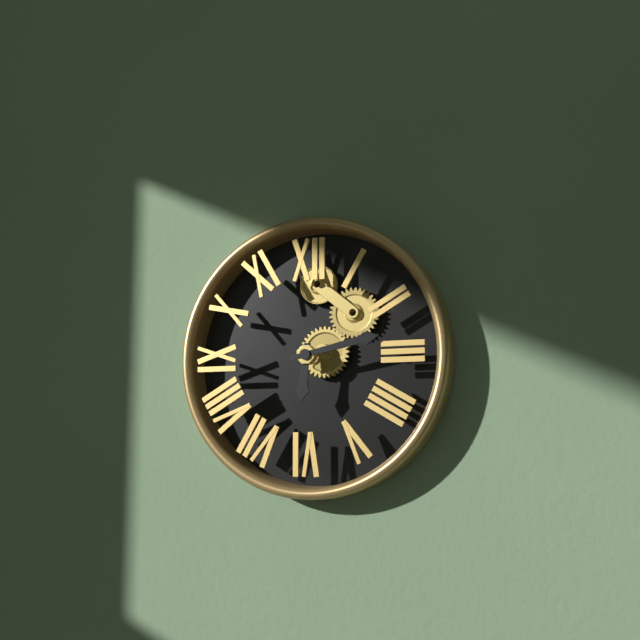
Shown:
6h13
